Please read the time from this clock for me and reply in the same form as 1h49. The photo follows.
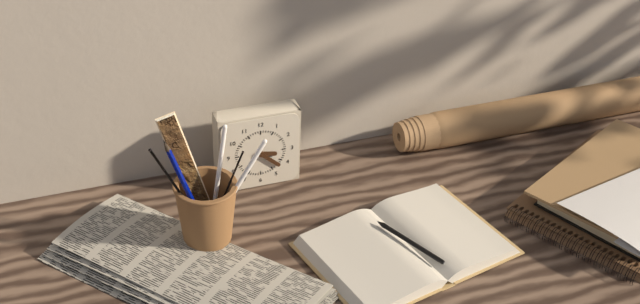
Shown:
3h22
